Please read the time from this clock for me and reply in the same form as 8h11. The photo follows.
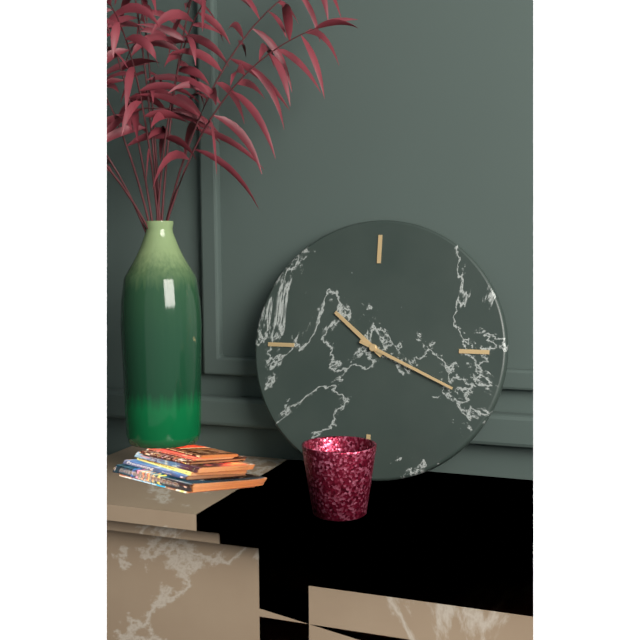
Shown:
10h19
